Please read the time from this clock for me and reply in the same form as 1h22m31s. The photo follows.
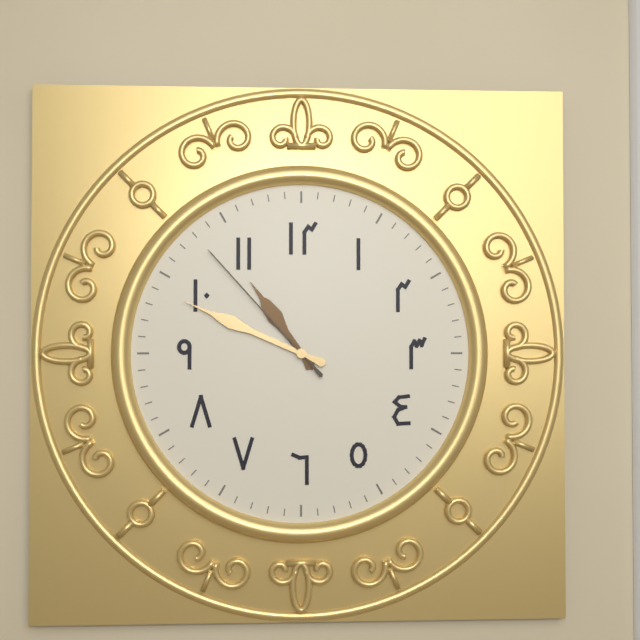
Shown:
10h49m53s
